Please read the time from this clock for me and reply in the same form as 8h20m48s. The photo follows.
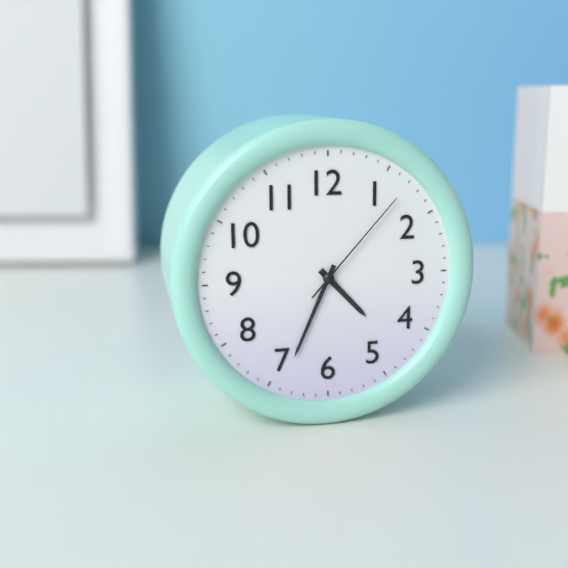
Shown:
4h34m07s
